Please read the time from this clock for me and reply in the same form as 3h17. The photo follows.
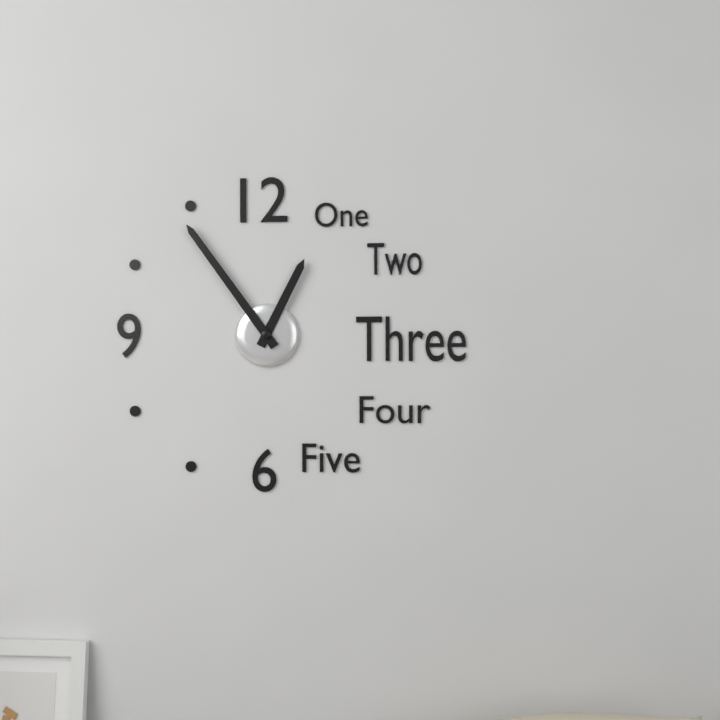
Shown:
12h54
